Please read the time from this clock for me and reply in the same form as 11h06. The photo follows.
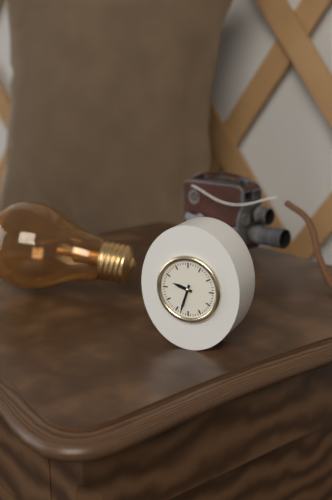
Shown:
9h33
